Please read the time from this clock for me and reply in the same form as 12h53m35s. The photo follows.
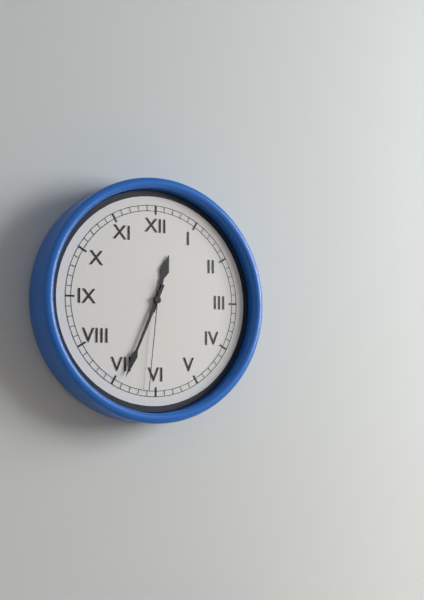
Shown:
12h34m31s
